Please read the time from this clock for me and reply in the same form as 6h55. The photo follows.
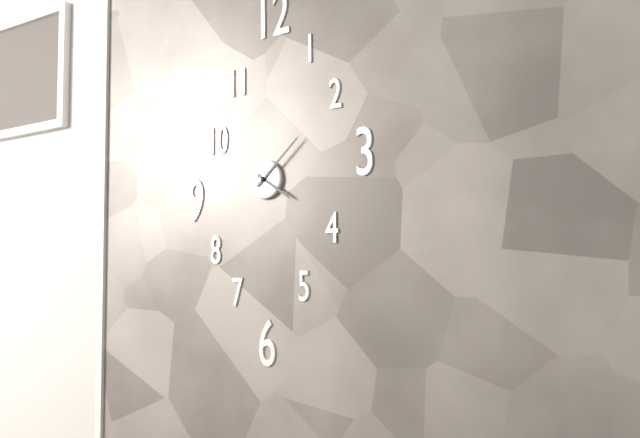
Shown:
4h08
